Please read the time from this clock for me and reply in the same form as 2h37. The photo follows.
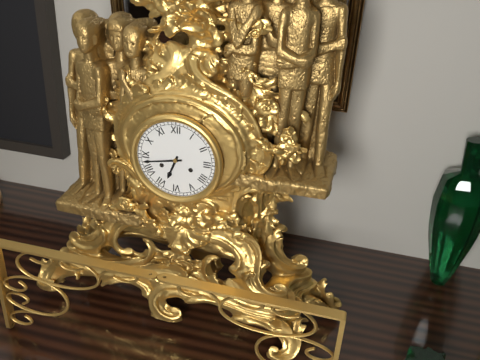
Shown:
6h43
